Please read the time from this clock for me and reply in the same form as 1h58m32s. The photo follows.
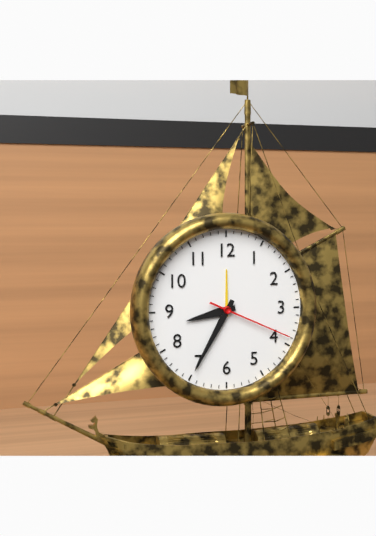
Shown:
8h35m19s
